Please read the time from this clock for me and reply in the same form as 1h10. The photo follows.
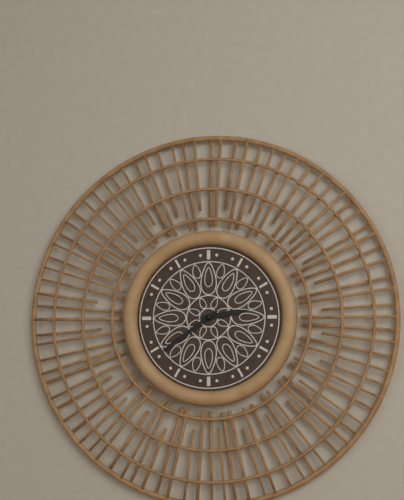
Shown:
2h39
